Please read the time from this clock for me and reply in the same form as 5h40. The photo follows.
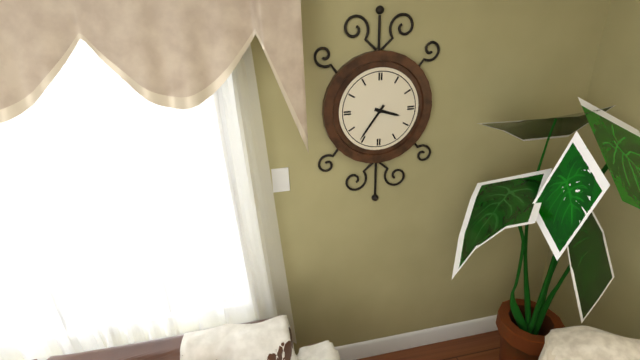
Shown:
3h36
